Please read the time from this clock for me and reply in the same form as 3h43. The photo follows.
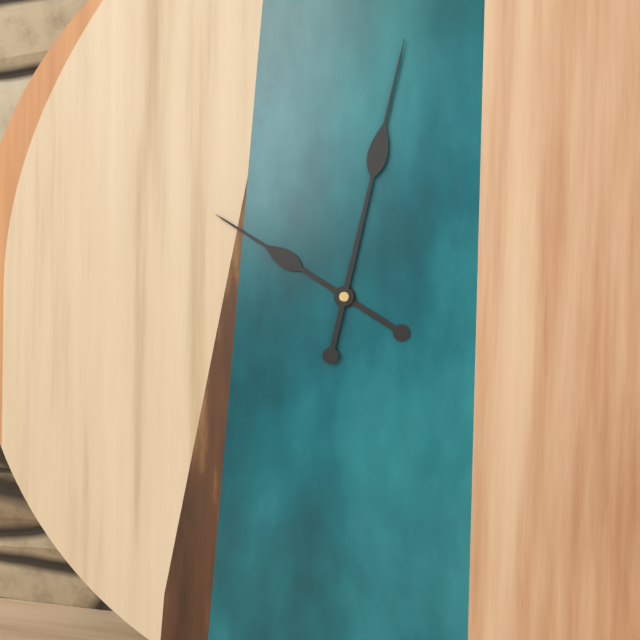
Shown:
10h02
